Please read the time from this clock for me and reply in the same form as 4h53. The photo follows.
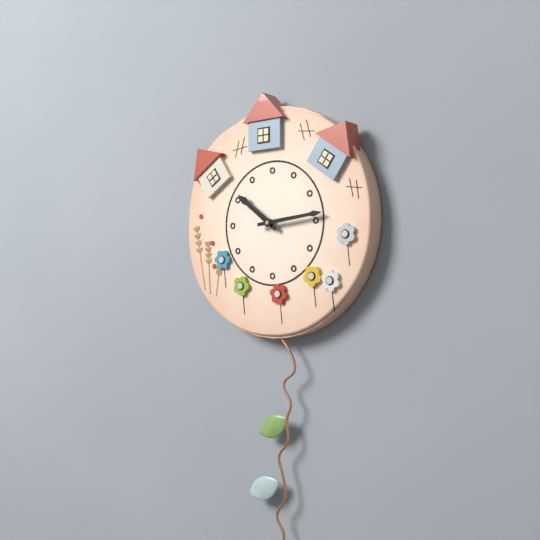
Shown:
10h14
